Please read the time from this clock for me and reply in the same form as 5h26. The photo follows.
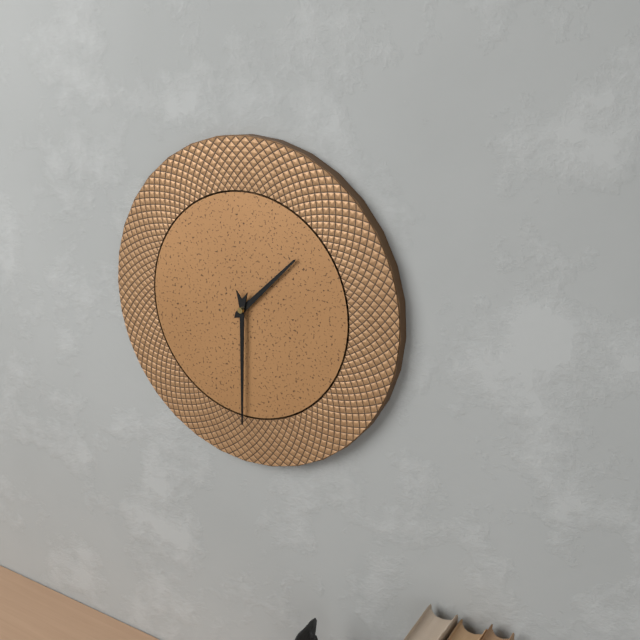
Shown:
1h30
